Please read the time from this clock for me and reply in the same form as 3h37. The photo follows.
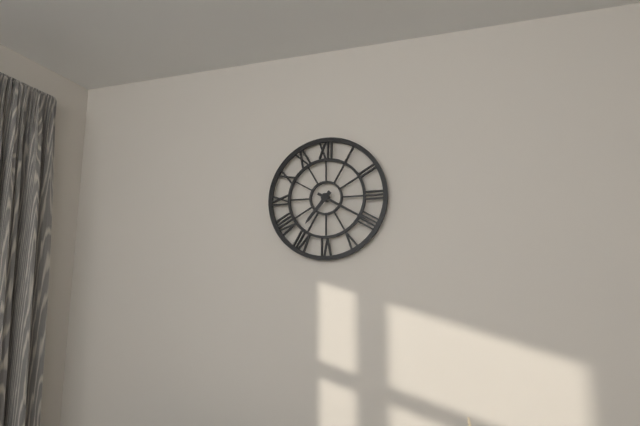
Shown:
7h20
